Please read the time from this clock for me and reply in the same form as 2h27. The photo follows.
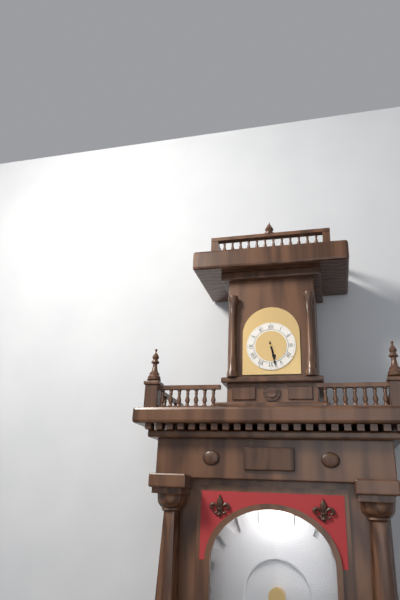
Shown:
5h28
